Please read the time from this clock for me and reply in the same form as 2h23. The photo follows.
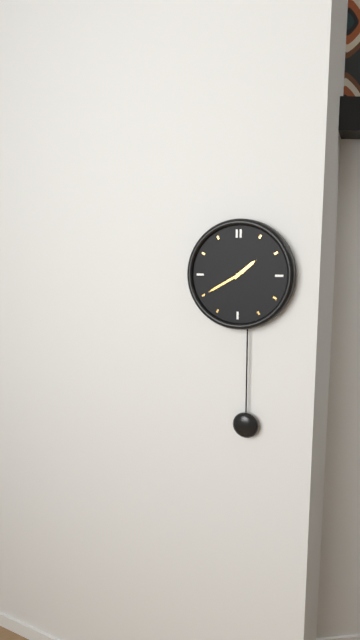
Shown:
1h40
